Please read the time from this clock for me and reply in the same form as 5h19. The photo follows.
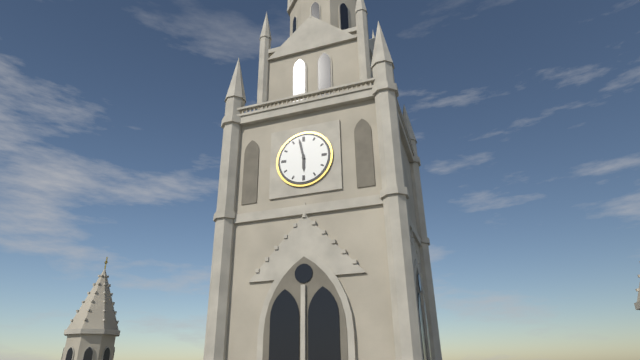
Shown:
5h58
